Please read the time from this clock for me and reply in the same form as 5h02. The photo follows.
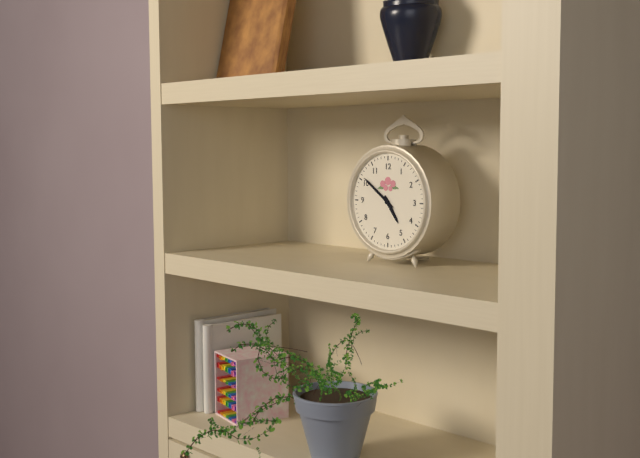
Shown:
4h51
